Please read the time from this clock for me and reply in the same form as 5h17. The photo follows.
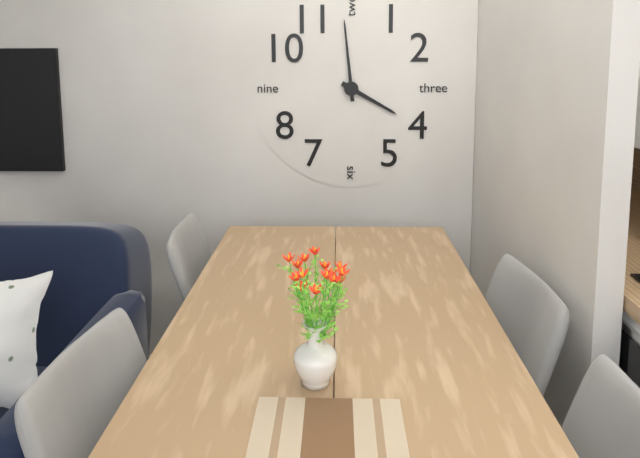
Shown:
3h59
